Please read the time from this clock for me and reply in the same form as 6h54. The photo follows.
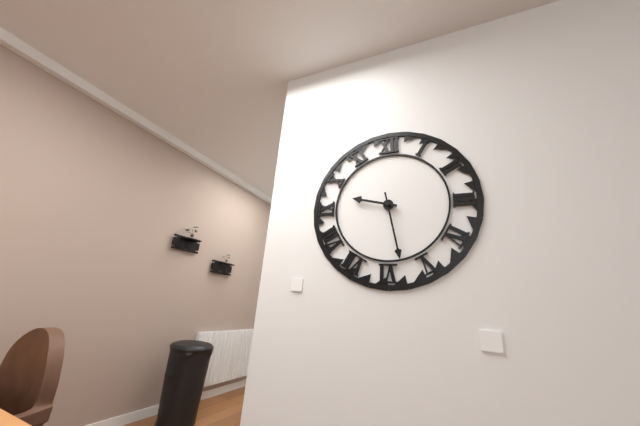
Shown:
9h28
